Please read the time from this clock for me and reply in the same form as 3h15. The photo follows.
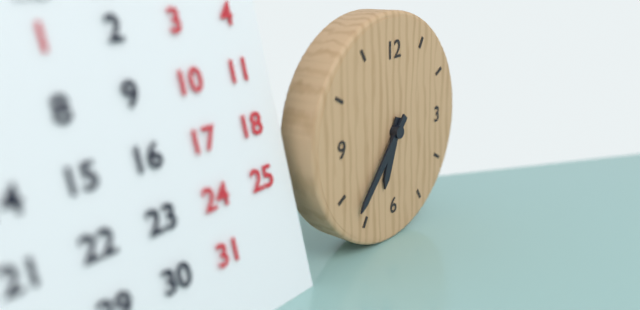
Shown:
6h37
